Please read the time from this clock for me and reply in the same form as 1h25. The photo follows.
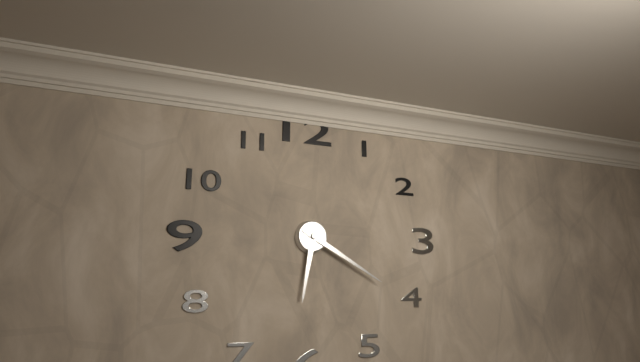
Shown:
6h20
